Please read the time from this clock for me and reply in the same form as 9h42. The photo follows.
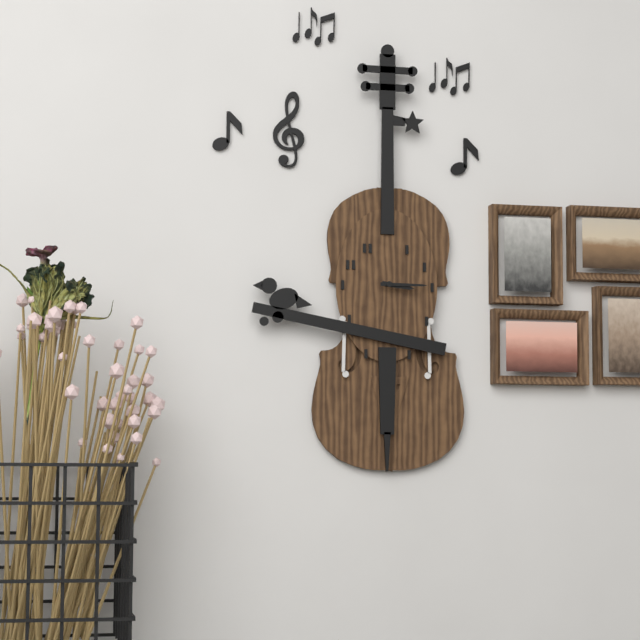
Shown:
3h15
